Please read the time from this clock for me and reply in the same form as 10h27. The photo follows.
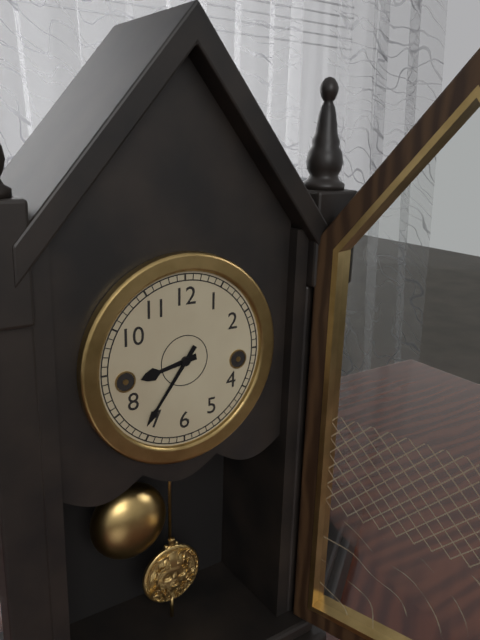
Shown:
8h36
